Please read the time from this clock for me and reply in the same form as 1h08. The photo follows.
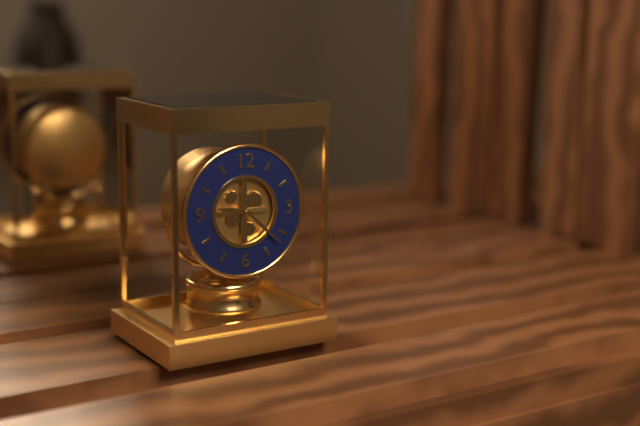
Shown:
9h22
